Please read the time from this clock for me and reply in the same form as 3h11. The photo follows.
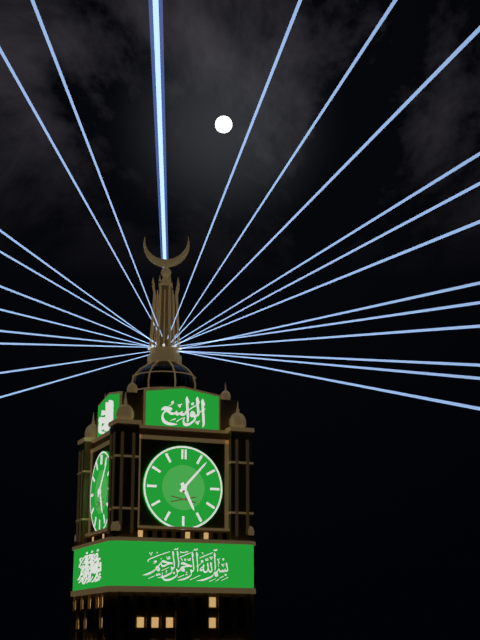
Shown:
5h07
